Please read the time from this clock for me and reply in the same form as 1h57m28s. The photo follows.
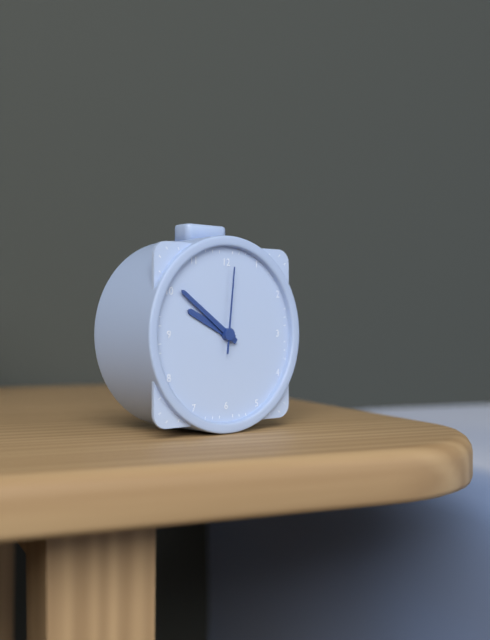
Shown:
9h51m01s
